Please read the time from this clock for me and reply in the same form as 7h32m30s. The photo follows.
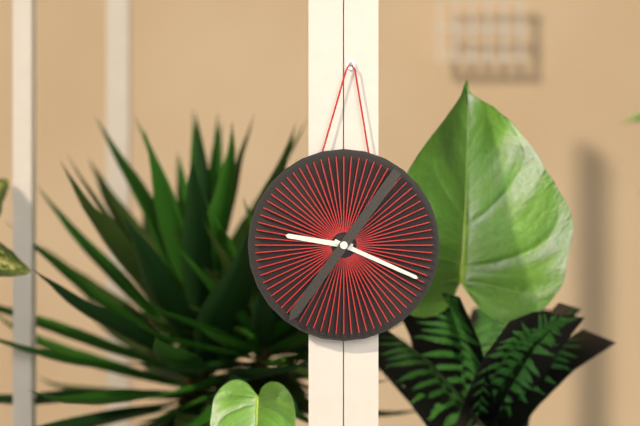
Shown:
9h19m36s
